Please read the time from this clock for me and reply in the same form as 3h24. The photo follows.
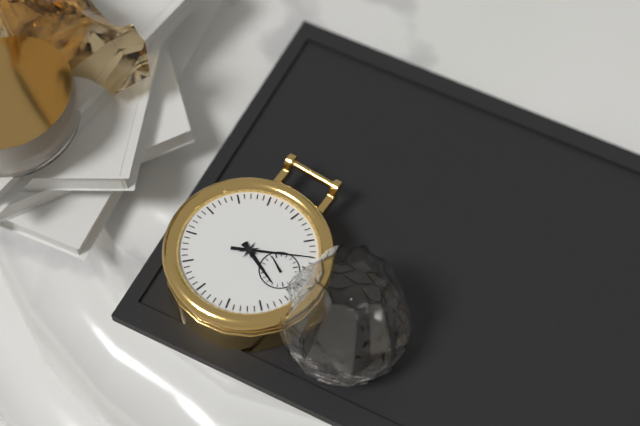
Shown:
5h18
